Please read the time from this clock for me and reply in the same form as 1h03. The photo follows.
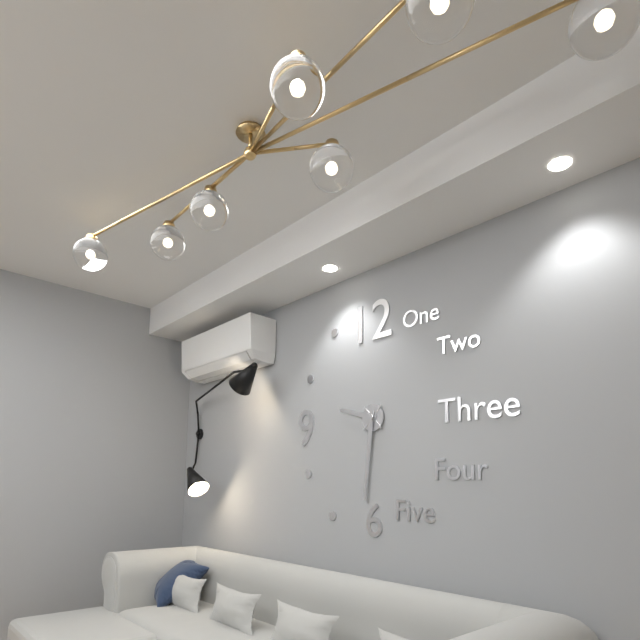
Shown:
9h31
